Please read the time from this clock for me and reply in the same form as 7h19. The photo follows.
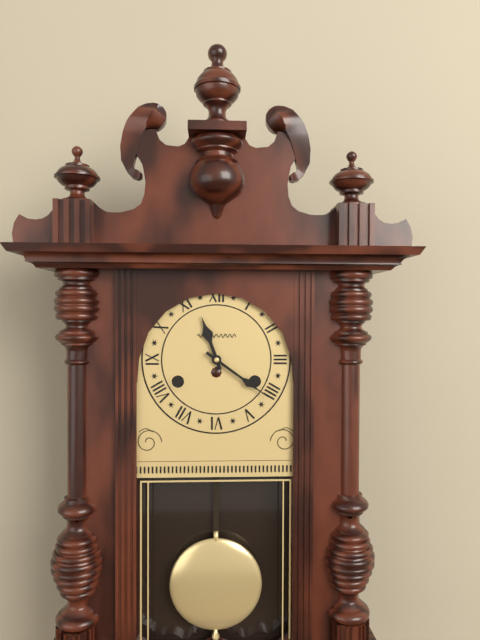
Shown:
11h21
